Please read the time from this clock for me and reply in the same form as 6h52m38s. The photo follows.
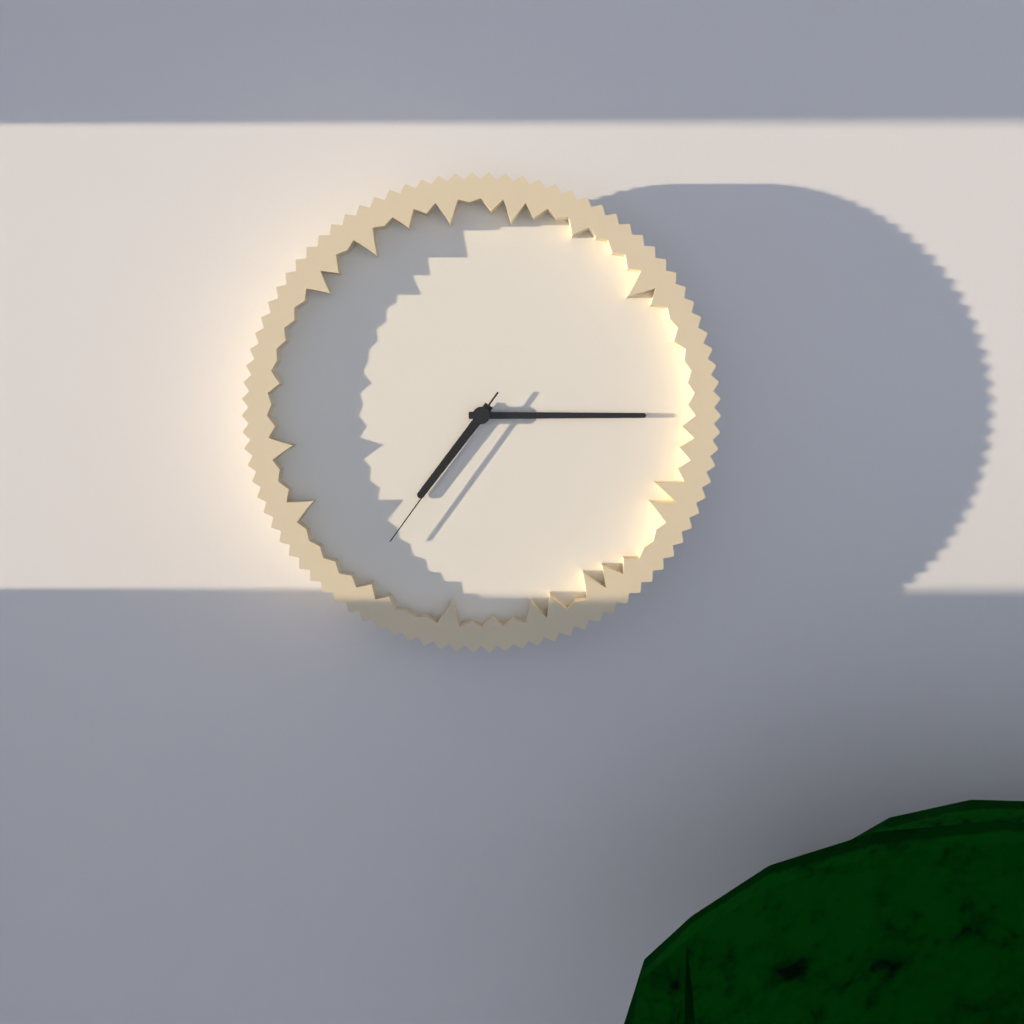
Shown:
7h15m36s
